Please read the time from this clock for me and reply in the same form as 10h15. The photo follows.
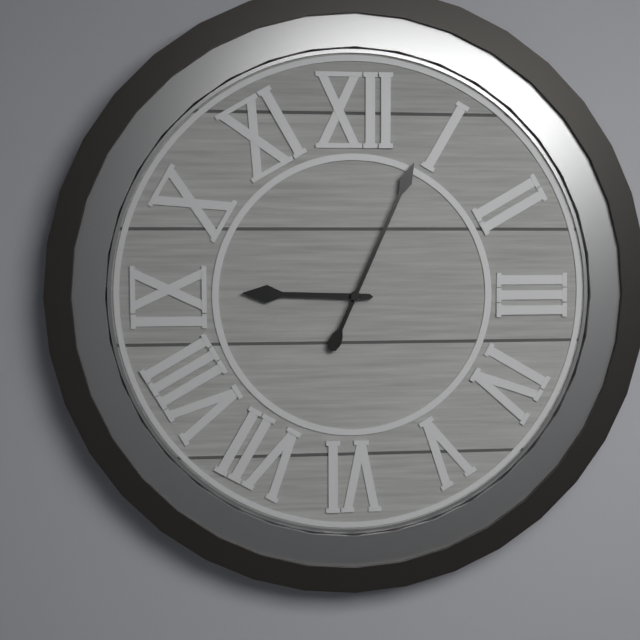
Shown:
9h04
